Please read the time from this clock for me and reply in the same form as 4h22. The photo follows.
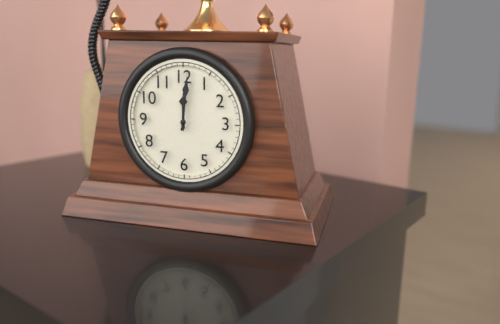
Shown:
12h01
